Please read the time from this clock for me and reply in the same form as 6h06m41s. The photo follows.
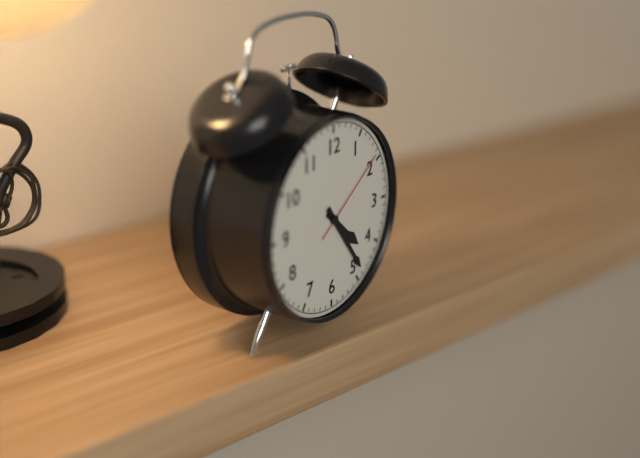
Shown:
4h24m09s
